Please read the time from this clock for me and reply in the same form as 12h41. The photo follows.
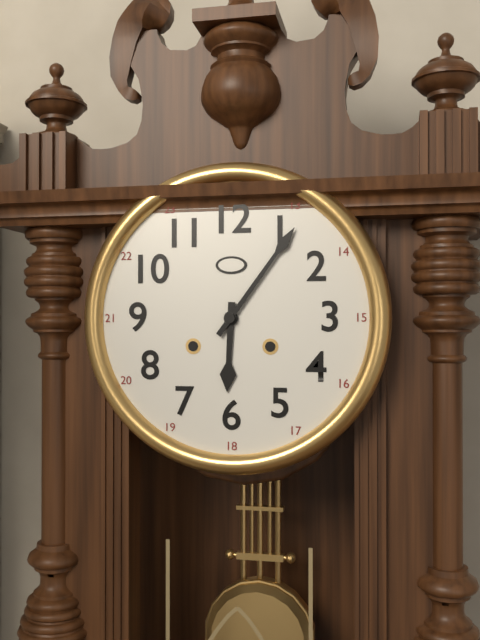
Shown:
6h06
